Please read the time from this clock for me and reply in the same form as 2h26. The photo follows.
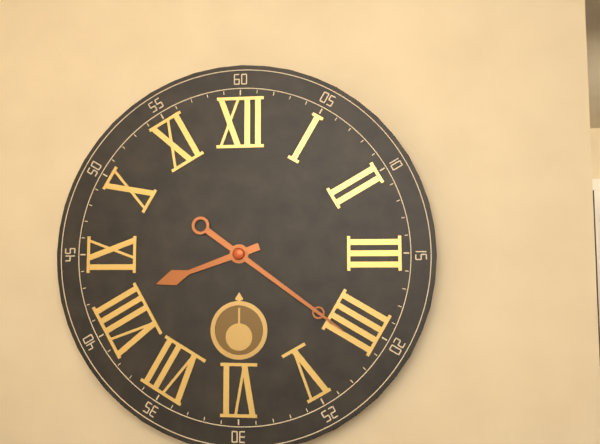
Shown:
8h21
